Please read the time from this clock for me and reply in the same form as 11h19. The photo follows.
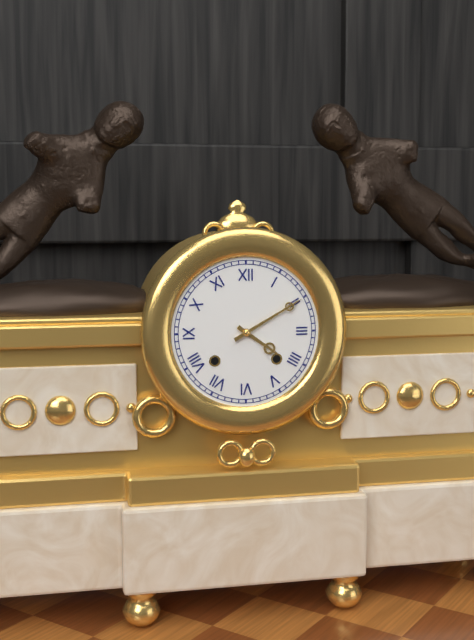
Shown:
4h10
